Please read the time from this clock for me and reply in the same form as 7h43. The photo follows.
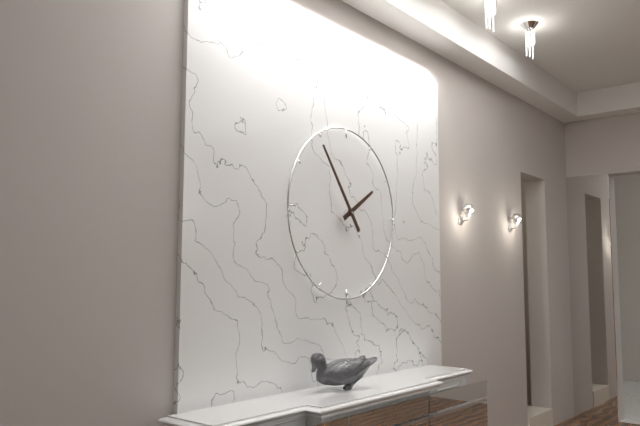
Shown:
1h54
